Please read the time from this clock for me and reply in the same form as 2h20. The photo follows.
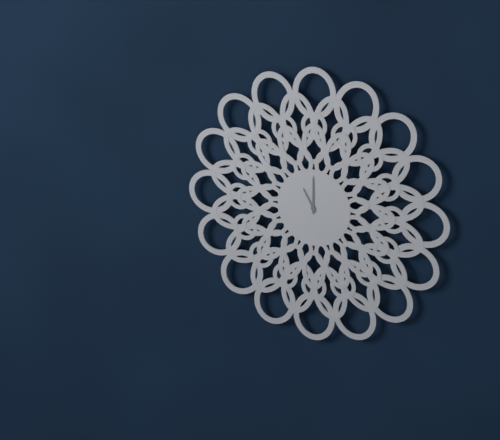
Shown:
11h00
